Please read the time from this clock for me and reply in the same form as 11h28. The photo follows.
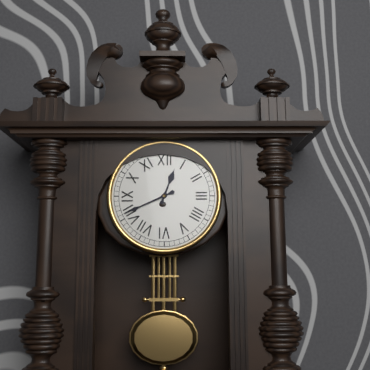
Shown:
12h41
